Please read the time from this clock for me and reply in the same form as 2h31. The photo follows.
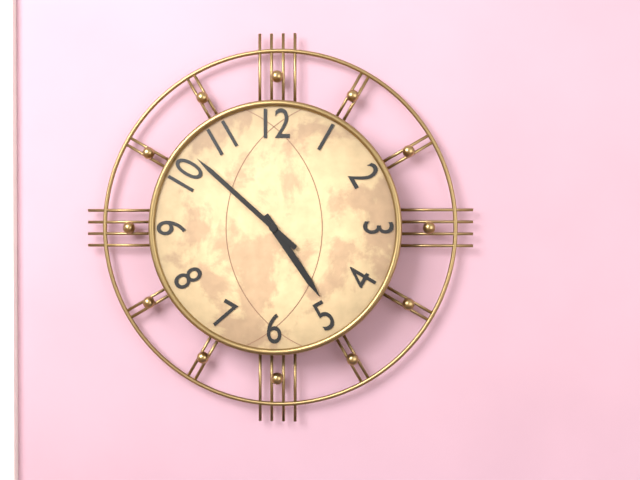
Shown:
4h52
